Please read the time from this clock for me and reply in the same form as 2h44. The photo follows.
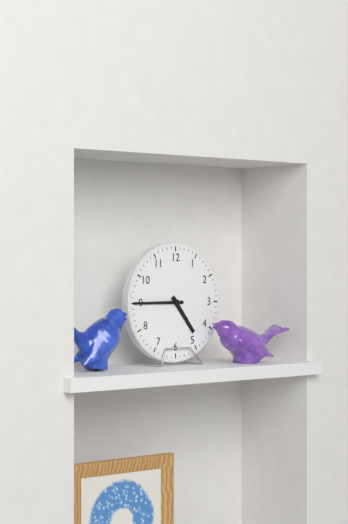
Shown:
4h45
